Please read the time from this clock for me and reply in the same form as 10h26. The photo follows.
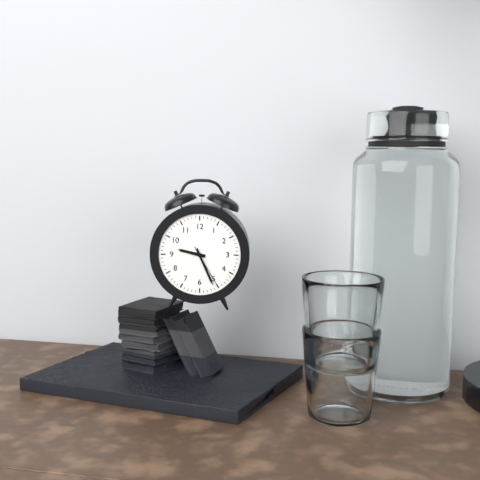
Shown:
9h26
